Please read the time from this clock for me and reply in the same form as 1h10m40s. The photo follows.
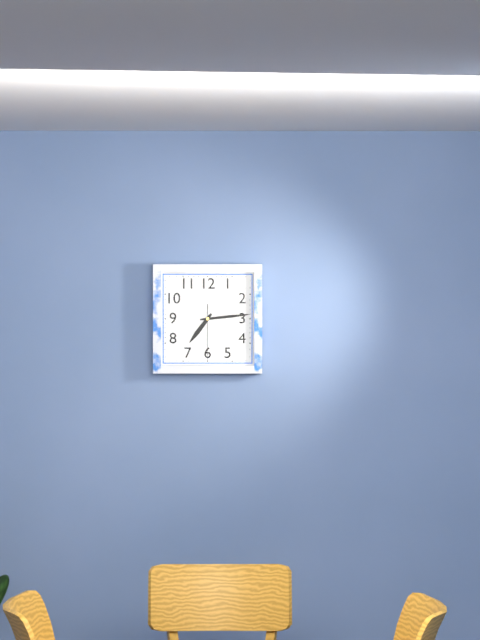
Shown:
7h14m30s
